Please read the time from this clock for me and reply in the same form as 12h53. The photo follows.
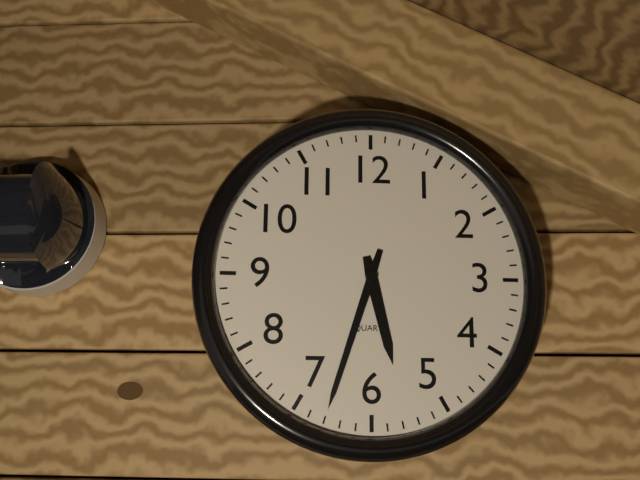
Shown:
5h33
